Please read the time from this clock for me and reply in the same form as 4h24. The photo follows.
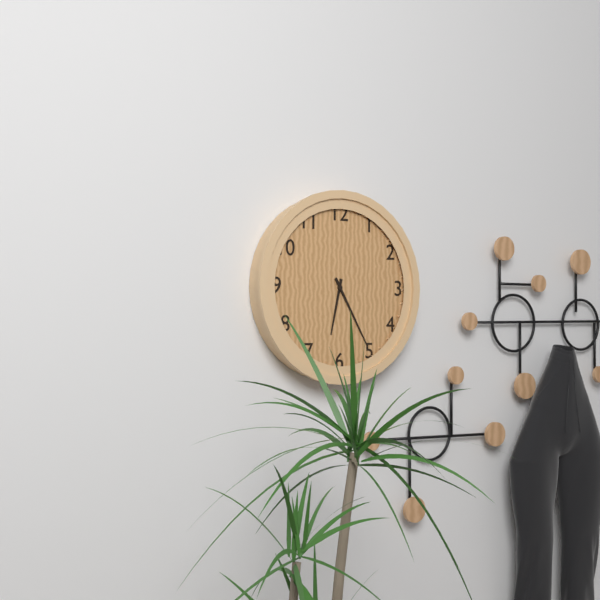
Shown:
6h25
